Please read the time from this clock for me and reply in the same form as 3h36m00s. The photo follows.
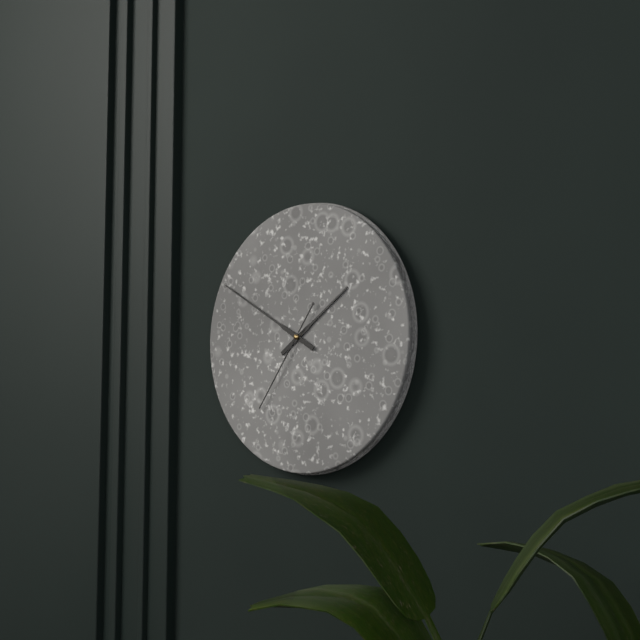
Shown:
1h50m36s
